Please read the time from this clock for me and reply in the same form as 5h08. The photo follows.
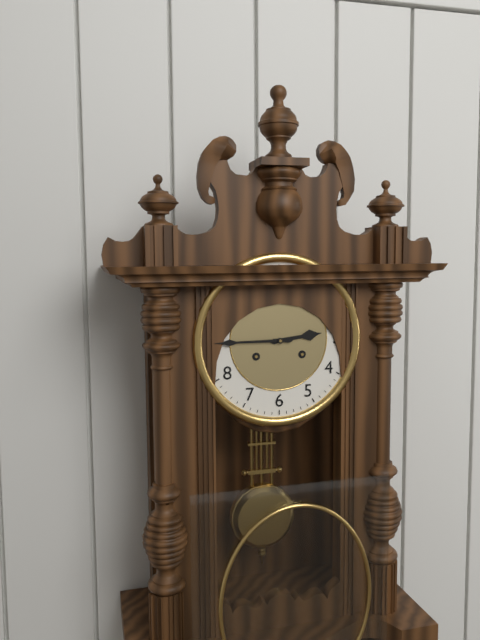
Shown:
2h45
